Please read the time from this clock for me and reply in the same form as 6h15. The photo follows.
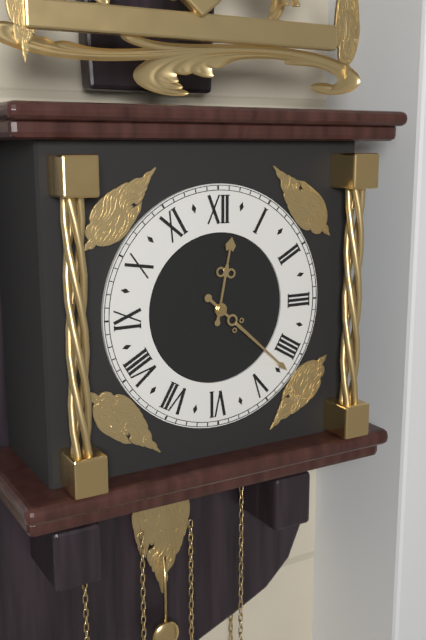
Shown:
12h22
